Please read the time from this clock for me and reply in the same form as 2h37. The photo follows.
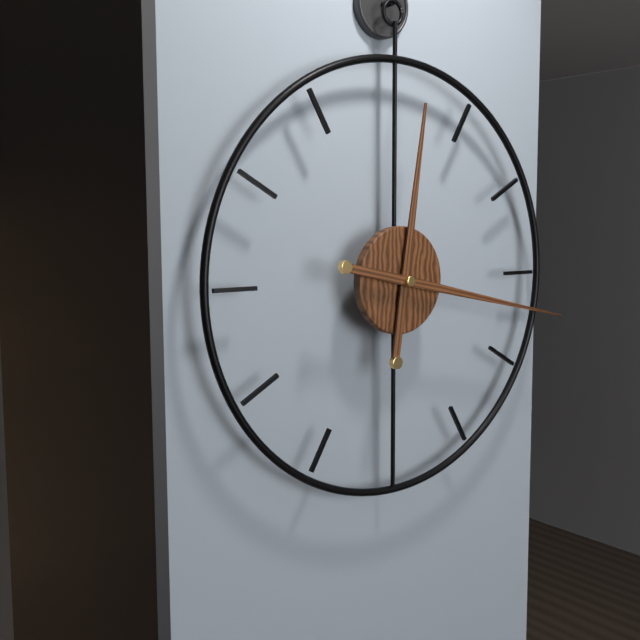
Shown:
12h17
